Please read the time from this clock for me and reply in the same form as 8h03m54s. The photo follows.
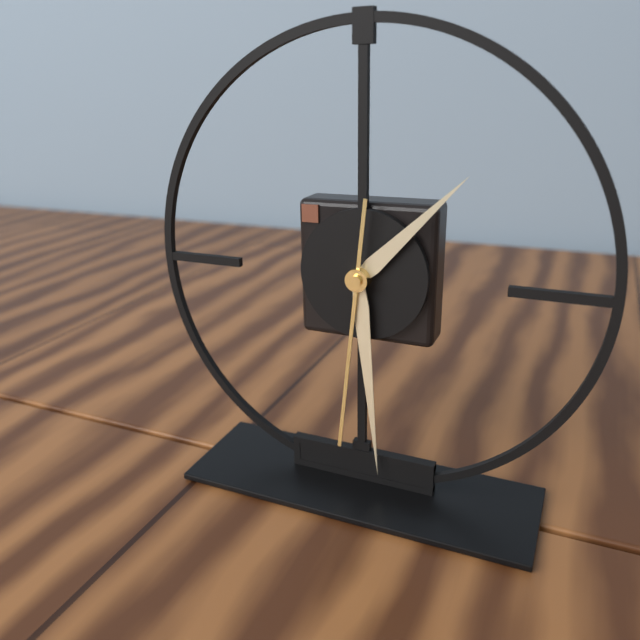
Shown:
1h29m31s
